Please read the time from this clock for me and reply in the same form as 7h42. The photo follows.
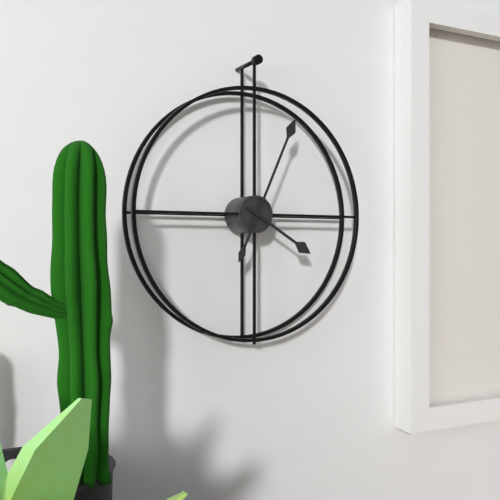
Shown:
4h04
